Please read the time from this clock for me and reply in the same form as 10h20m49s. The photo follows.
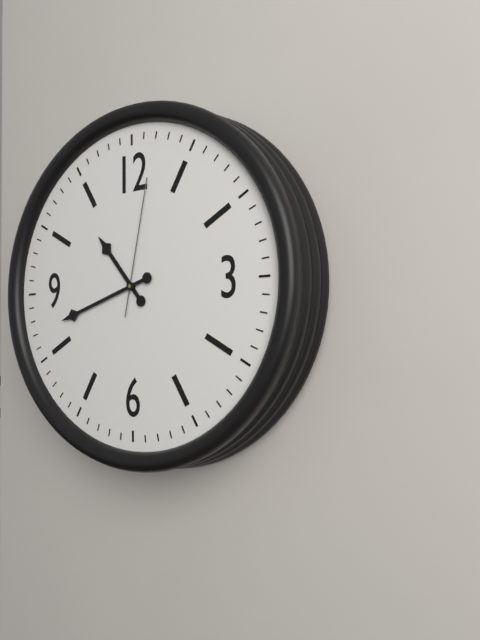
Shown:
10h42m02s
